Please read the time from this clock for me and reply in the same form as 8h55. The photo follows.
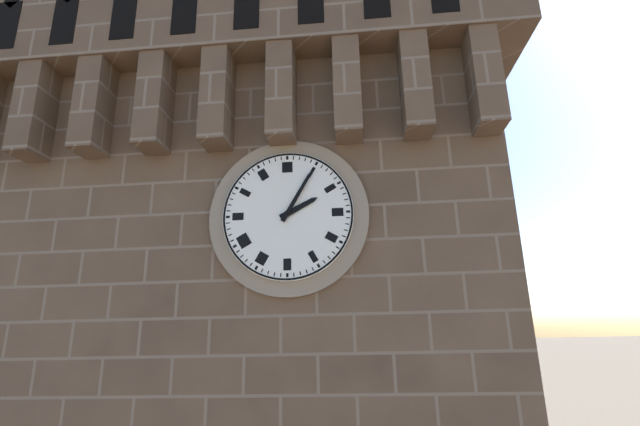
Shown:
2h05
